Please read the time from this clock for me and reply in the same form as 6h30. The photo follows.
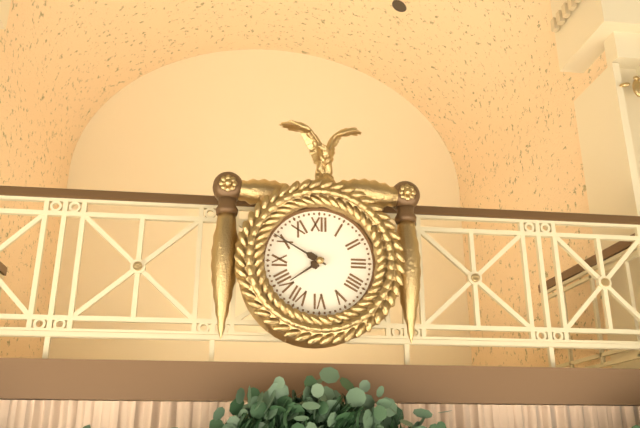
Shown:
7h50
